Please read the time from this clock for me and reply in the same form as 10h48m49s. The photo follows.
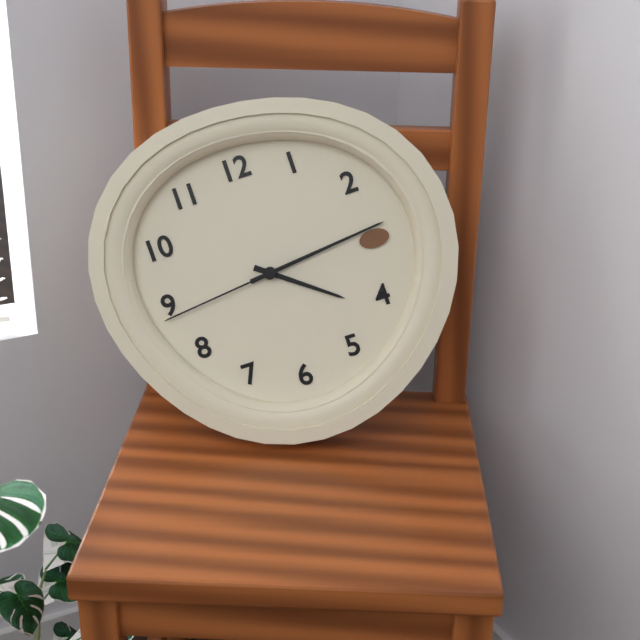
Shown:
4h14m44s
